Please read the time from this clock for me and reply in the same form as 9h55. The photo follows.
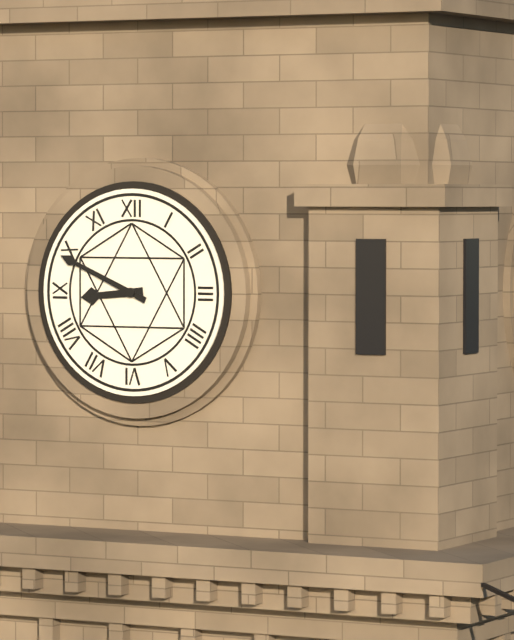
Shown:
8h49
